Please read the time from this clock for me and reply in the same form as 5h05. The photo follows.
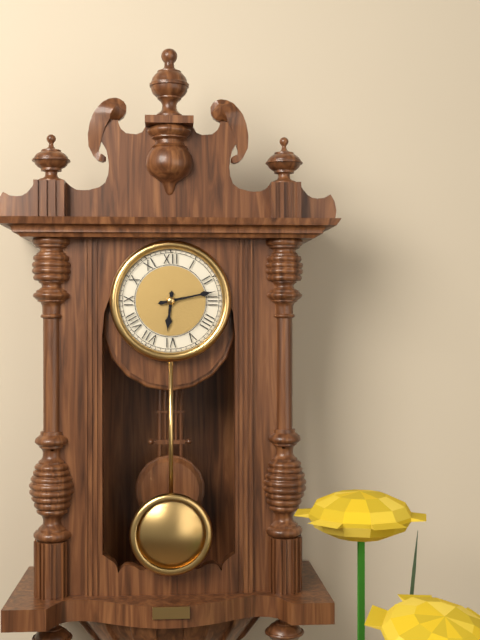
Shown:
6h13
